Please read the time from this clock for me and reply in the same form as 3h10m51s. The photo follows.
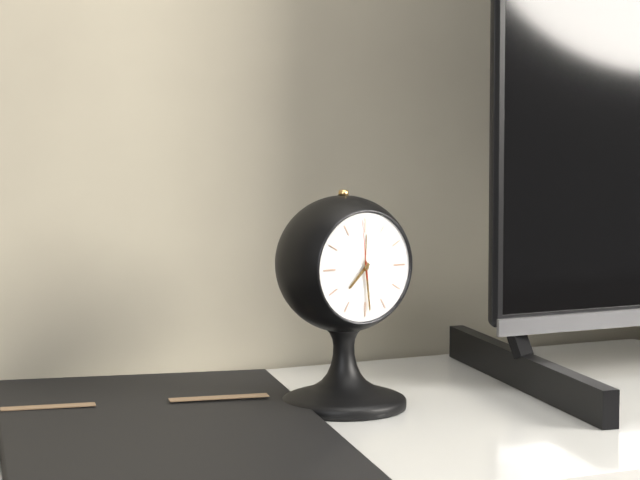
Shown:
7h29m59s
